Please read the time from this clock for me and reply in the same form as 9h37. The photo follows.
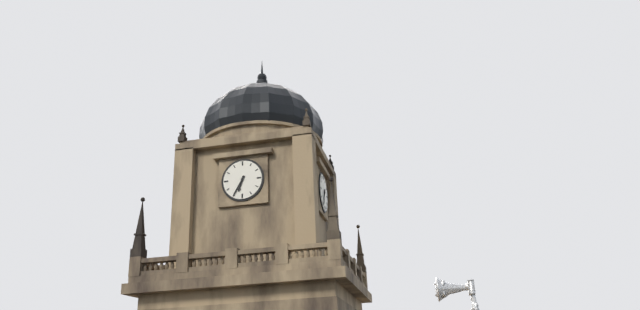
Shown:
6h35
